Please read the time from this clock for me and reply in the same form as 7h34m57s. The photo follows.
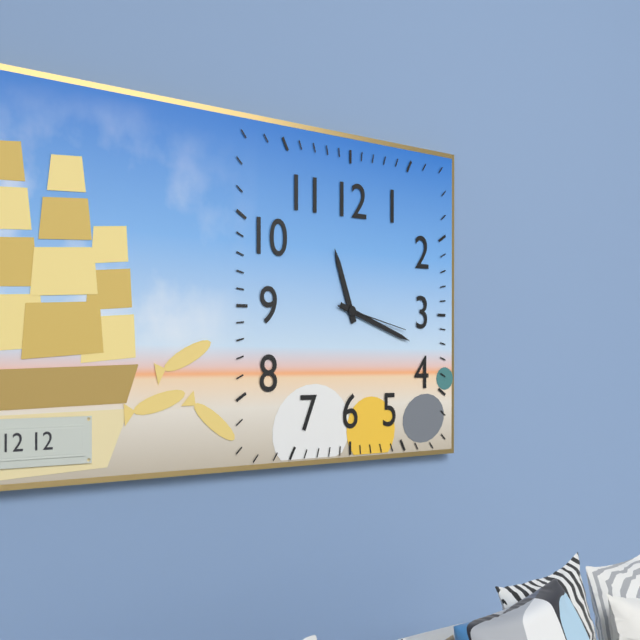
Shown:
11h18m17s
